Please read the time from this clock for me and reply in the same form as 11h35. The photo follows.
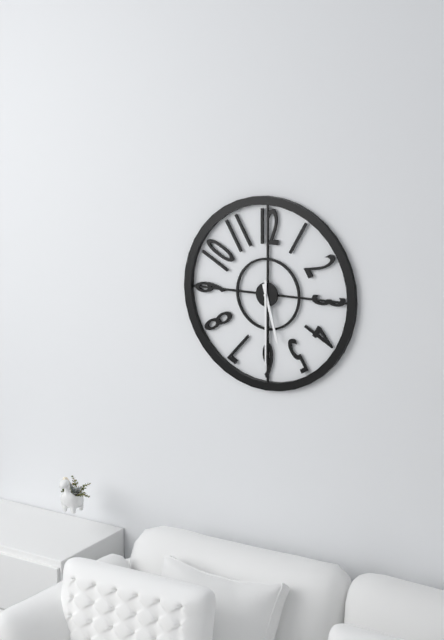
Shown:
5h30
